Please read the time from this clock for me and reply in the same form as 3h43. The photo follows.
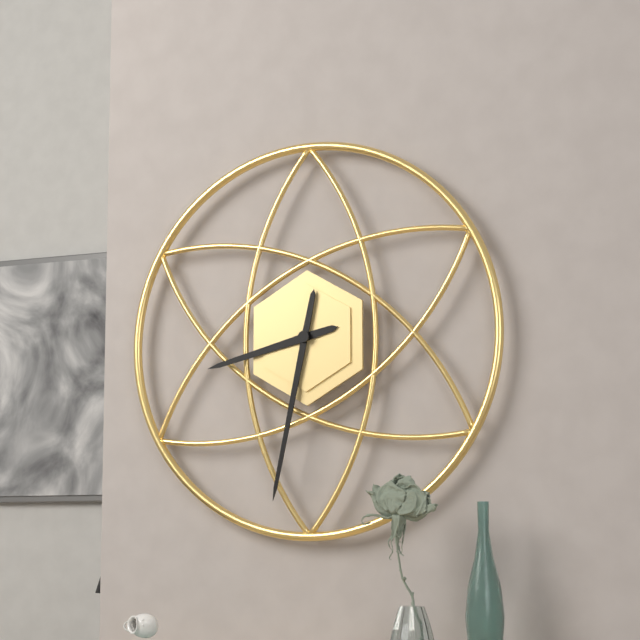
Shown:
8h32
